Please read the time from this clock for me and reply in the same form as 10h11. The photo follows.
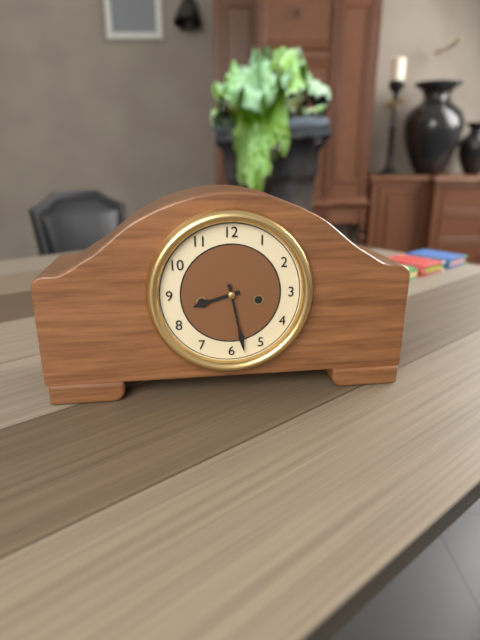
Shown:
8h28
